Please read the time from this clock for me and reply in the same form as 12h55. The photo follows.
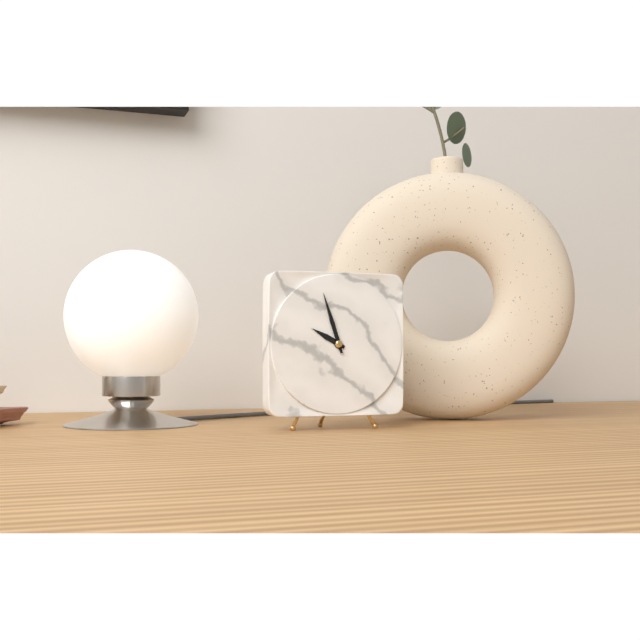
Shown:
9h57
